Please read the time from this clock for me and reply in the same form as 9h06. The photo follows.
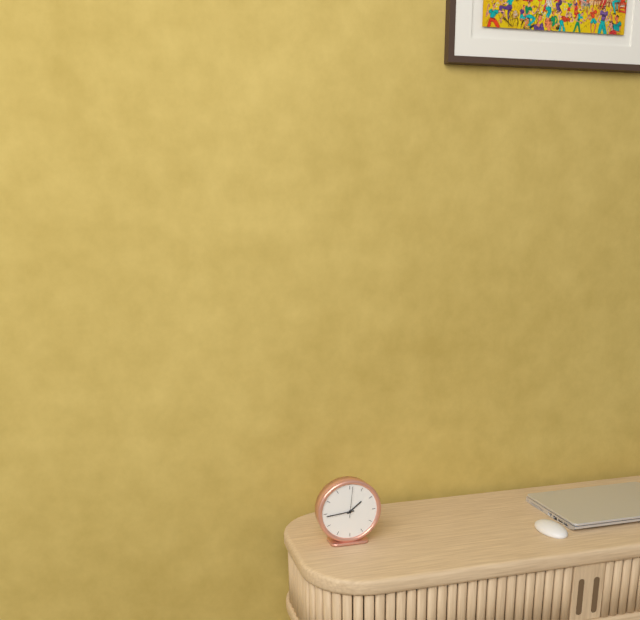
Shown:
1h44
